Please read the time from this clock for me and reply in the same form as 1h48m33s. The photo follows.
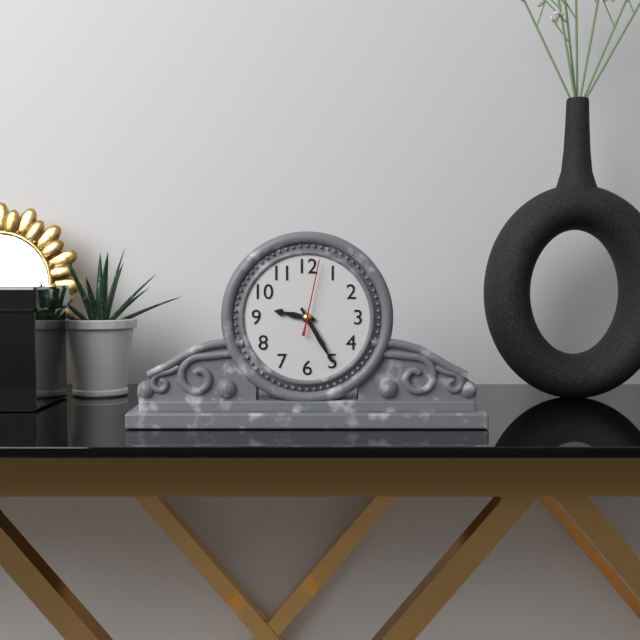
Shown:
9h25m02s
